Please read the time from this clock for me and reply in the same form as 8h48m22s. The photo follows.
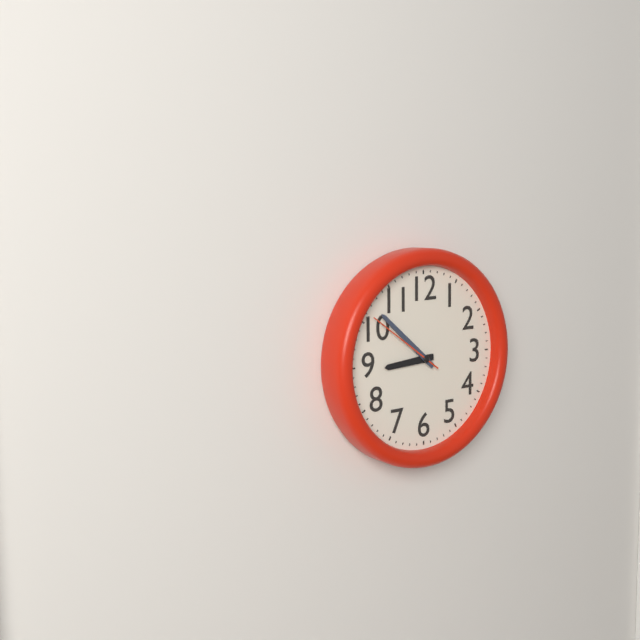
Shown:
8h52m51s
